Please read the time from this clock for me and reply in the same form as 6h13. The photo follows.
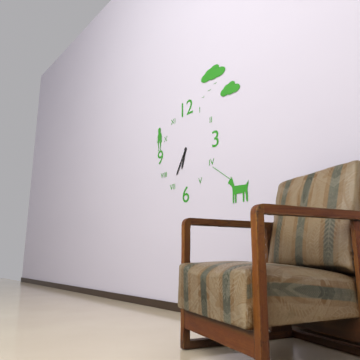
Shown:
6h35
